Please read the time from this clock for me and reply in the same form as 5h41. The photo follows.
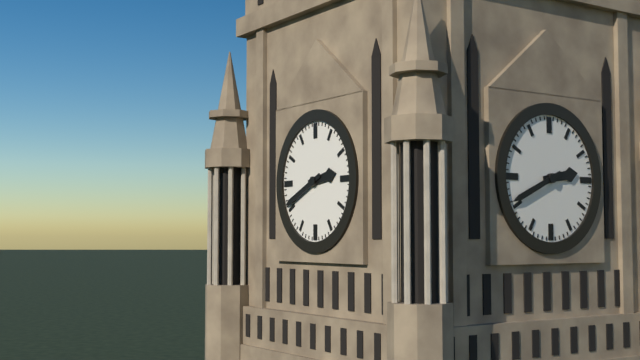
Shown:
2h41
